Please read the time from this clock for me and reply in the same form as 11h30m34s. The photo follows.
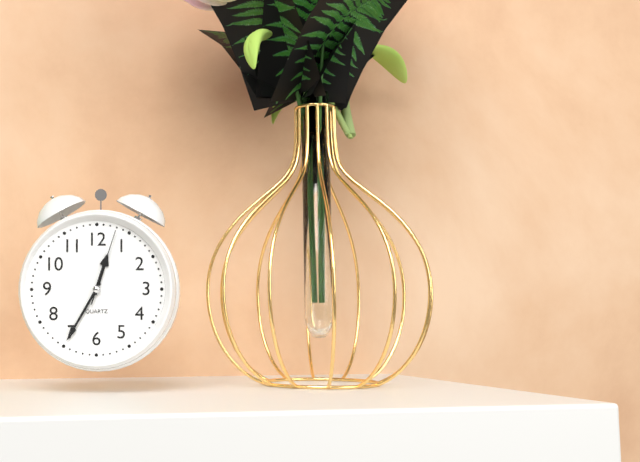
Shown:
12h35m03s
